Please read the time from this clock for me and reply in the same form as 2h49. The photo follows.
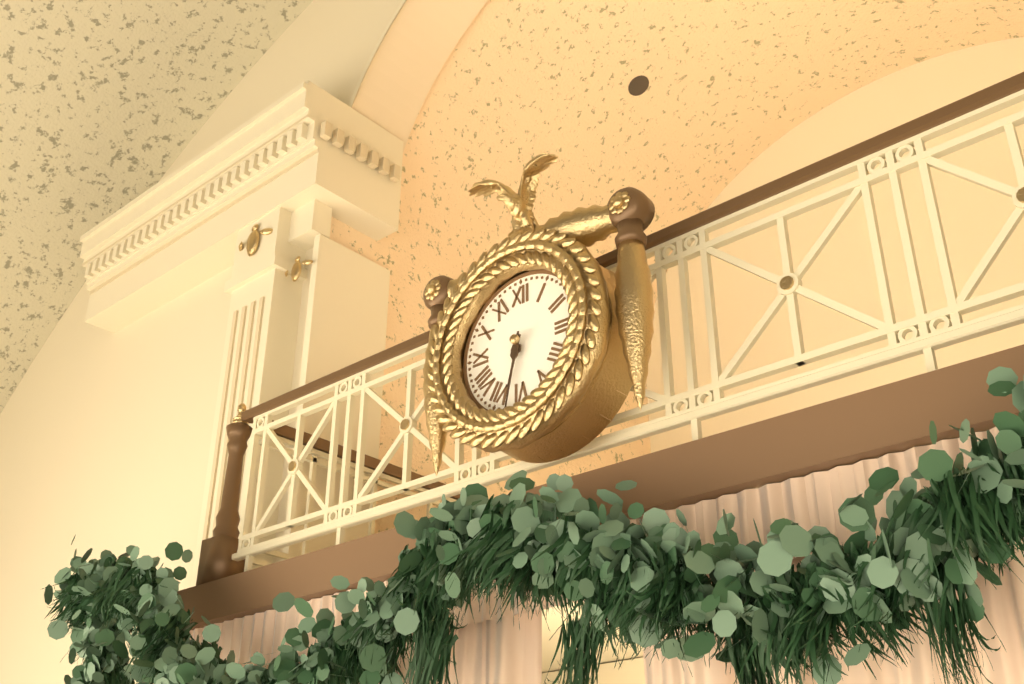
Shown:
6h32
